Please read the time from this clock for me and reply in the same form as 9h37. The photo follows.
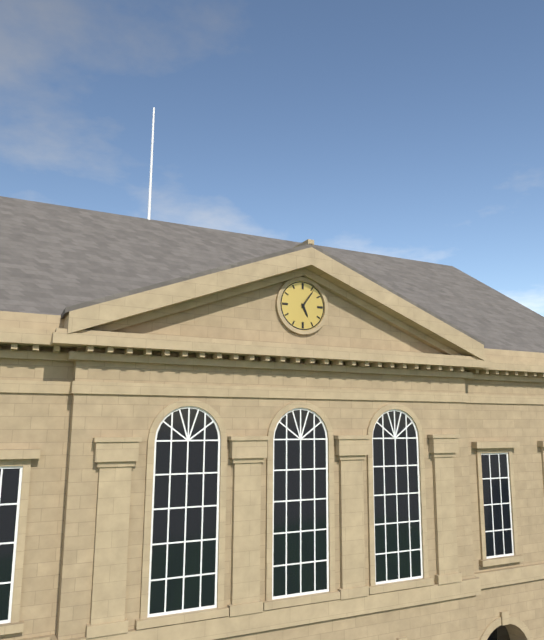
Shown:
5h06
